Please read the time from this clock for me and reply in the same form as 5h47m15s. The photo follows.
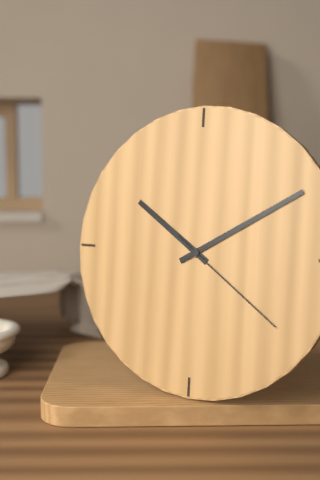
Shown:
10h10m21s
